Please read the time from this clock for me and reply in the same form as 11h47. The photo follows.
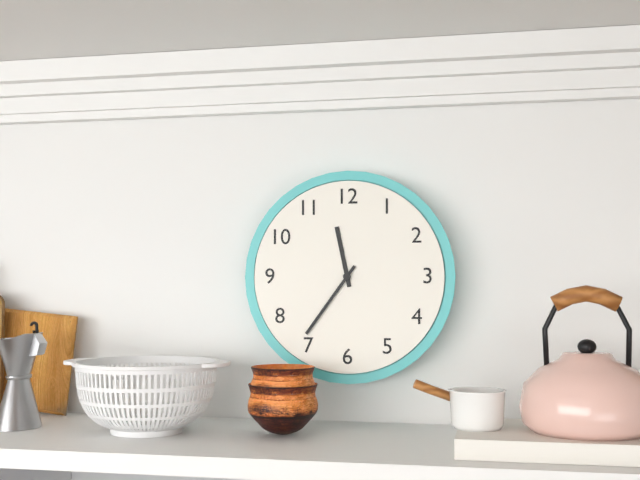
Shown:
11h36
